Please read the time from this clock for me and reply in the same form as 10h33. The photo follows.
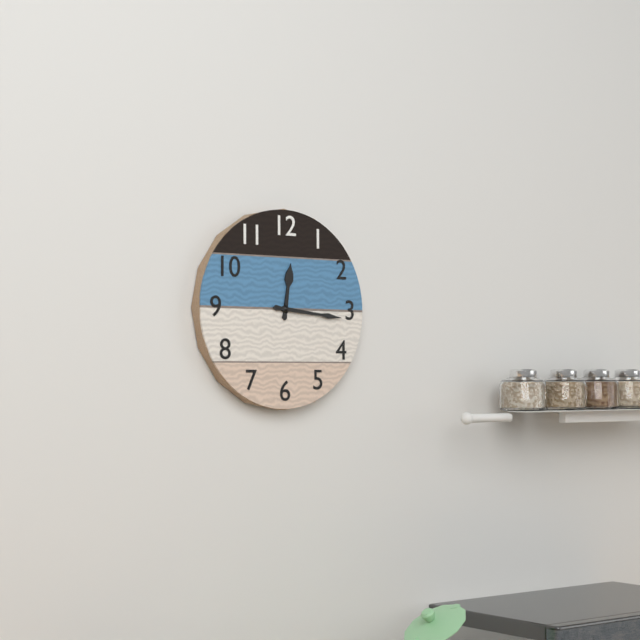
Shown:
12h16
